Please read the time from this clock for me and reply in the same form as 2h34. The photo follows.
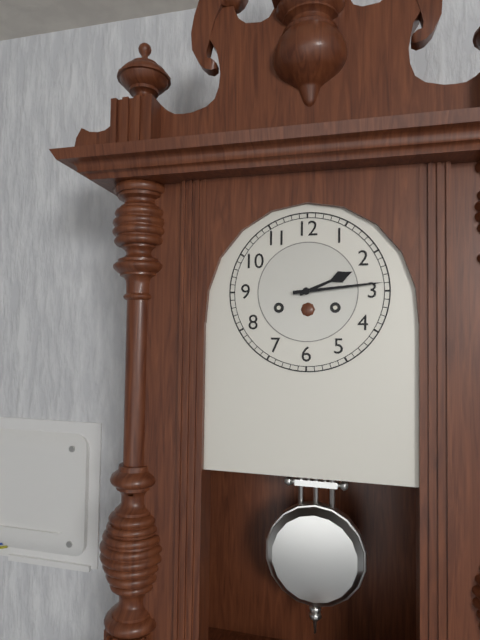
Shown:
2h14
